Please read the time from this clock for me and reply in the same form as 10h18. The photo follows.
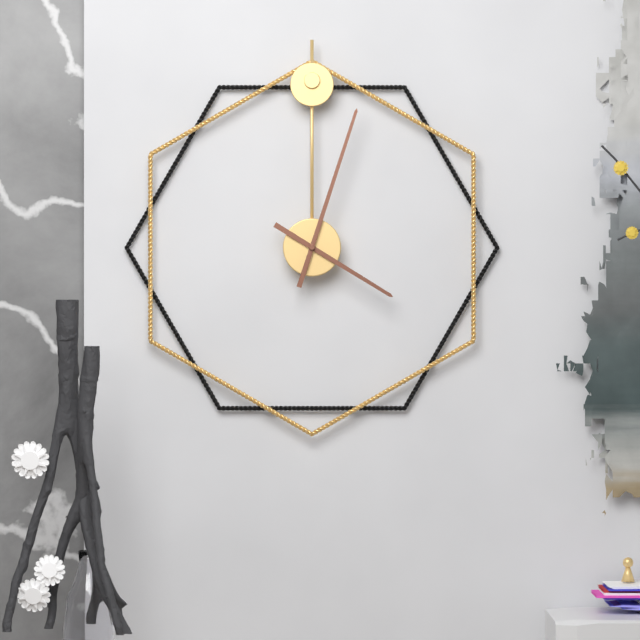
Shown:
4h03
